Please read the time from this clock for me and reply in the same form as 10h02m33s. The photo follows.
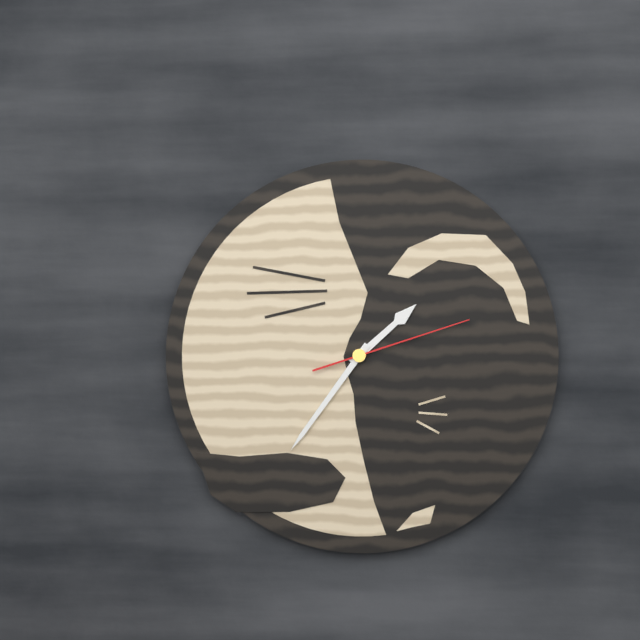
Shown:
1h36m12s
